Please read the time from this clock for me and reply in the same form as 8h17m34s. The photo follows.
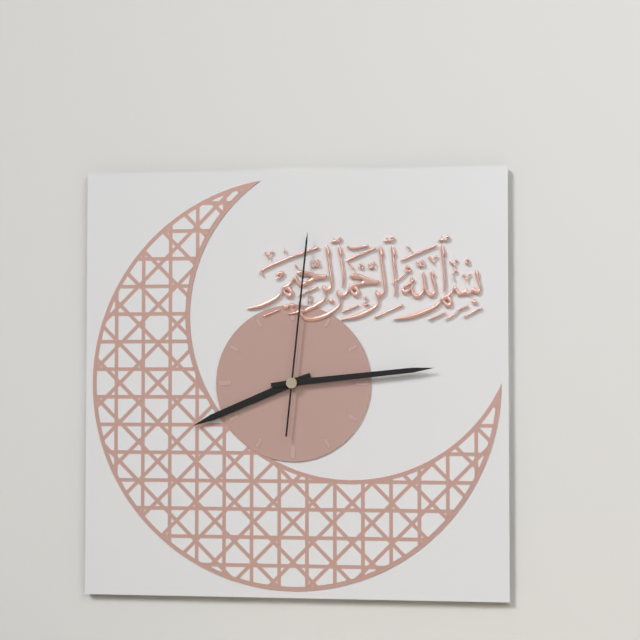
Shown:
8h14m01s
